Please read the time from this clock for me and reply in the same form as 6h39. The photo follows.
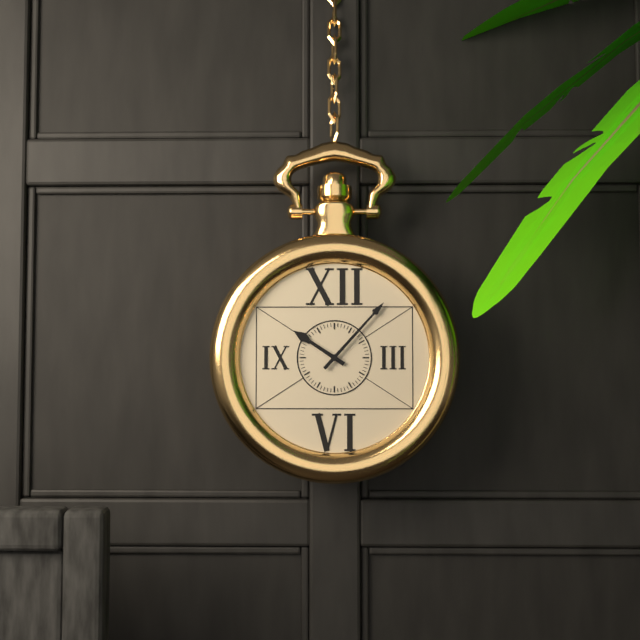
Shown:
10h07
